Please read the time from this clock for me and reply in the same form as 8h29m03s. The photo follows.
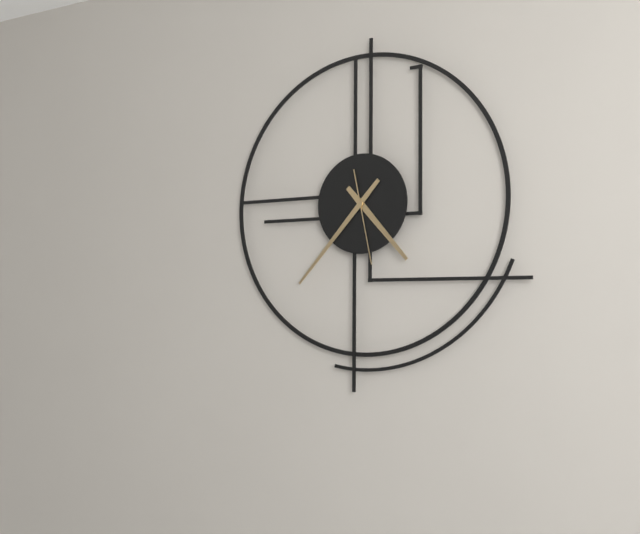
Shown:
4h37m28s
